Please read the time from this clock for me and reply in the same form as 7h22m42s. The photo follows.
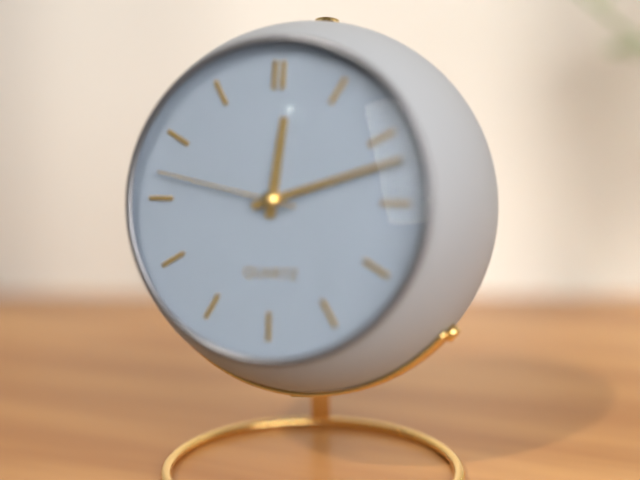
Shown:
12h12m47s
